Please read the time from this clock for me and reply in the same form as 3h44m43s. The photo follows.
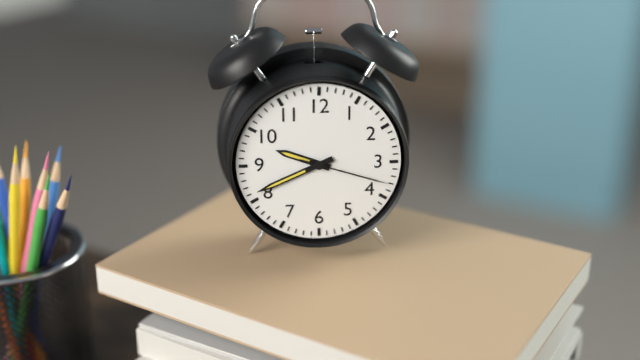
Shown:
9h41m18s
